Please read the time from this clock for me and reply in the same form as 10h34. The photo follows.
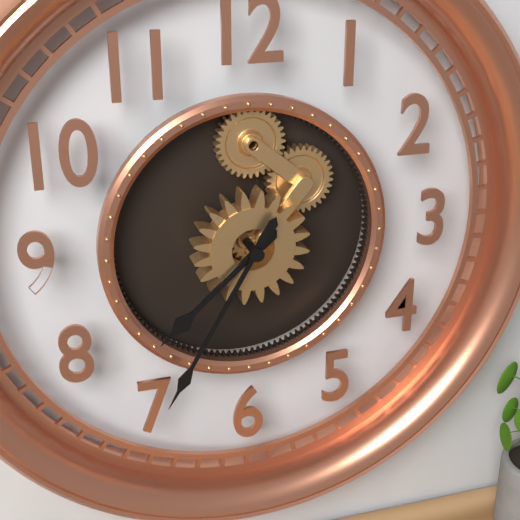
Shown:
7h35
